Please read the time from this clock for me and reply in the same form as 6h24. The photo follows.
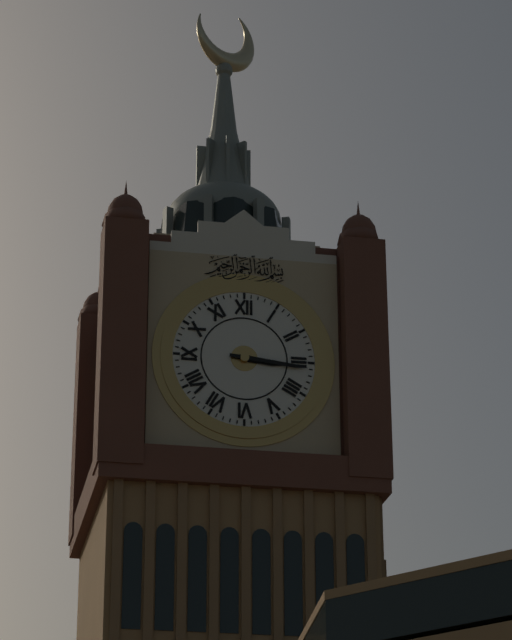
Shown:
3h16
